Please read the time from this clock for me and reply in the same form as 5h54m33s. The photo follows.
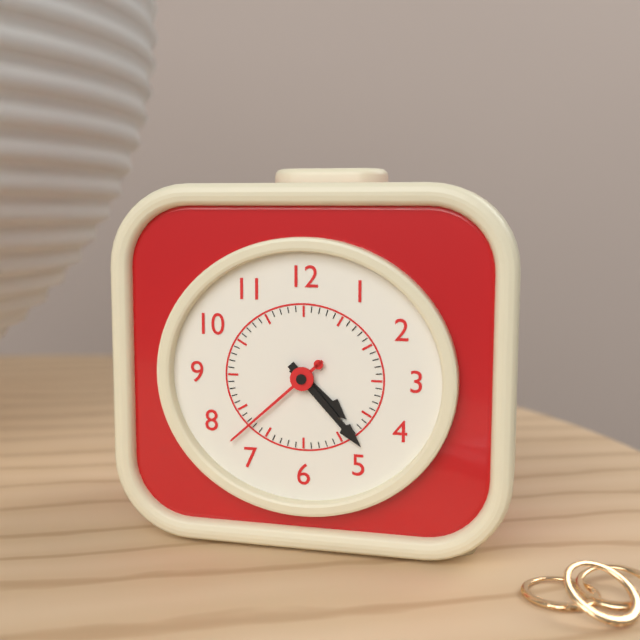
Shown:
4h23m38s
